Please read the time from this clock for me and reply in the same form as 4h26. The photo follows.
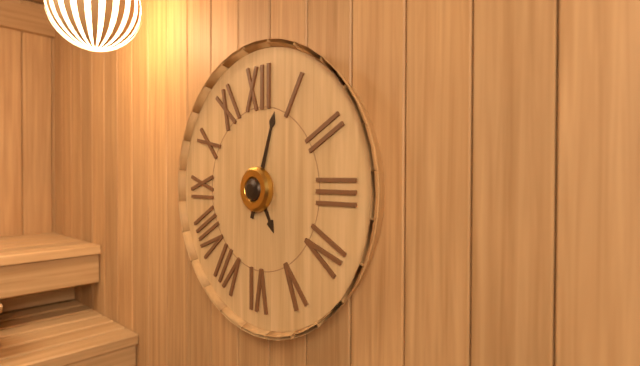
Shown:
5h03
